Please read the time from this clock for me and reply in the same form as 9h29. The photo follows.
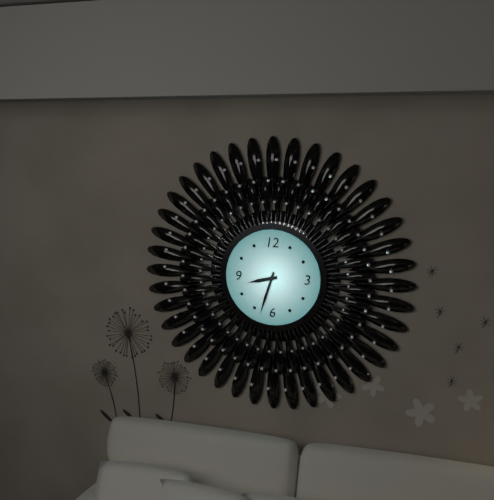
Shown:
8h33
